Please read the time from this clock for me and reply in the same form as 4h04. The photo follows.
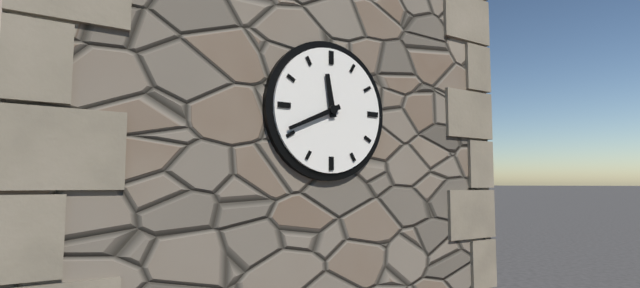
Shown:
11h41
